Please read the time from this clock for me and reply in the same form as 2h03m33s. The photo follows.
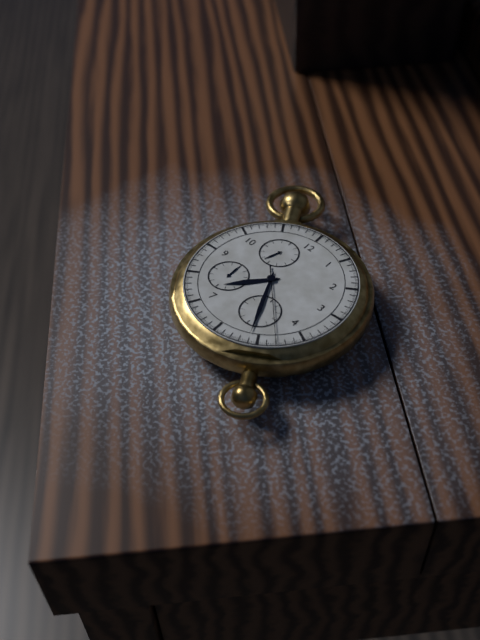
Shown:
7h26m23s
